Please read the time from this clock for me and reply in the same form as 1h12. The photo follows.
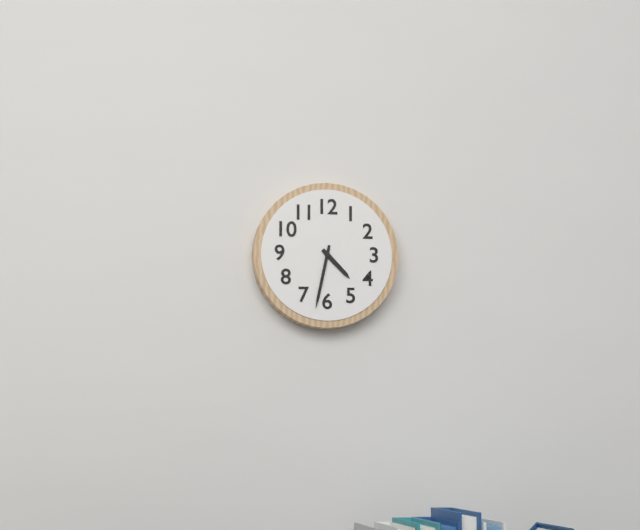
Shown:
4h32
